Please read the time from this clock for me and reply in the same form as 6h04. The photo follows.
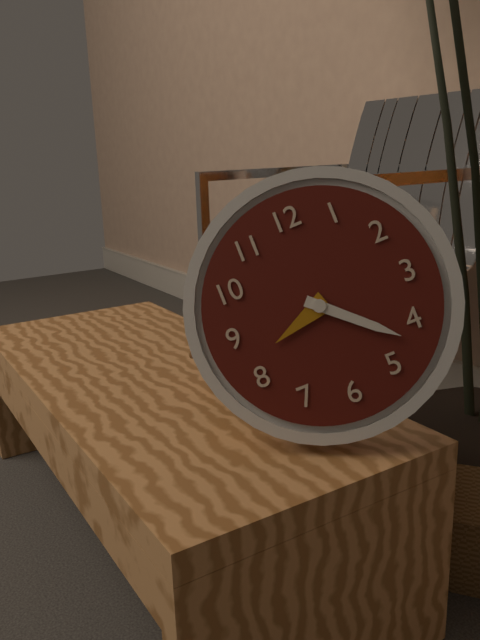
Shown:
8h22
